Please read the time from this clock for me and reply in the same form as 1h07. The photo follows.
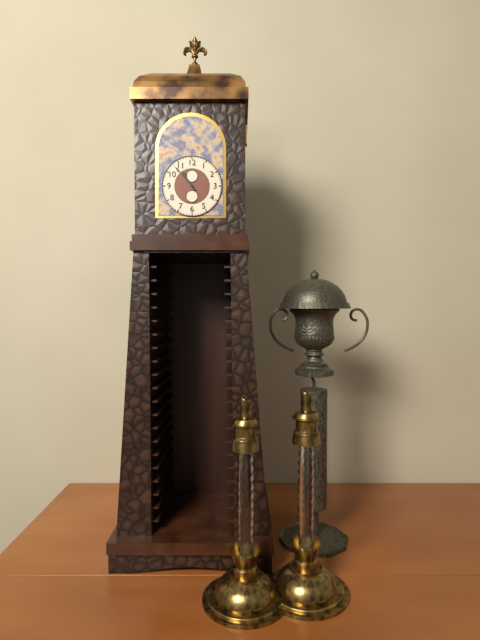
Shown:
10h53
